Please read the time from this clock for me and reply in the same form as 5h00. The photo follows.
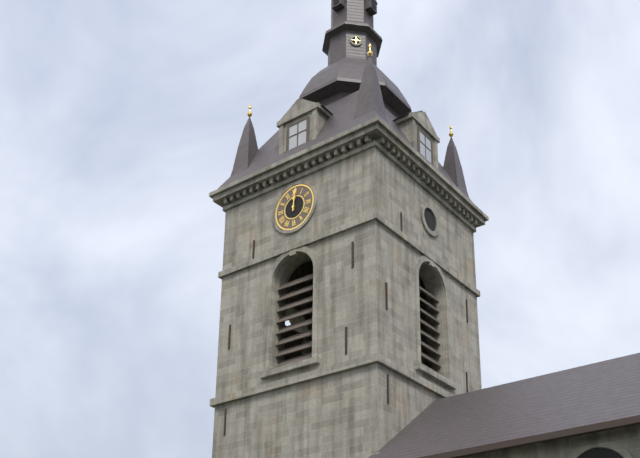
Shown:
12h01
